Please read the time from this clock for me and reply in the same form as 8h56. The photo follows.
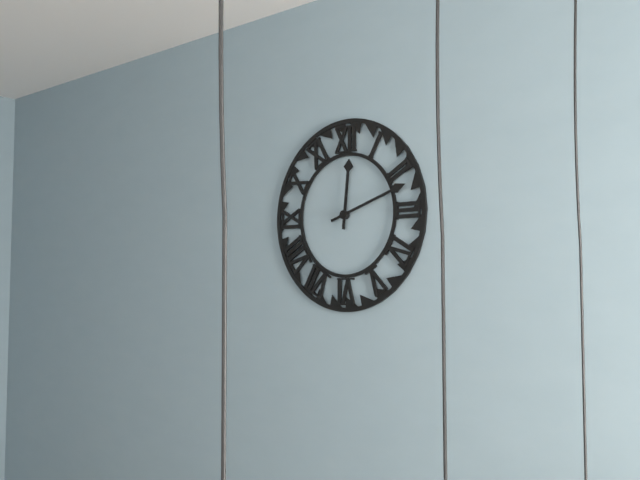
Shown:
12h12
